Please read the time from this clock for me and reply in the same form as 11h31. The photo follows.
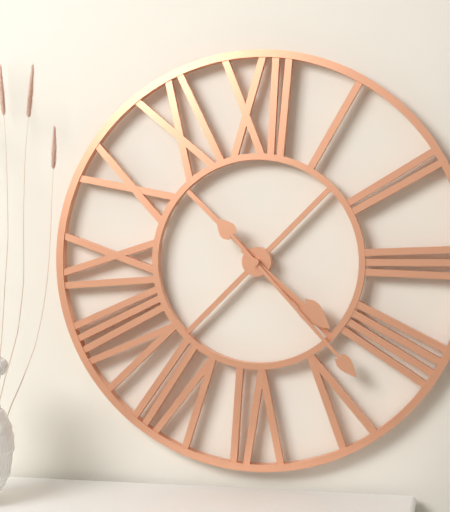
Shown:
4h23
